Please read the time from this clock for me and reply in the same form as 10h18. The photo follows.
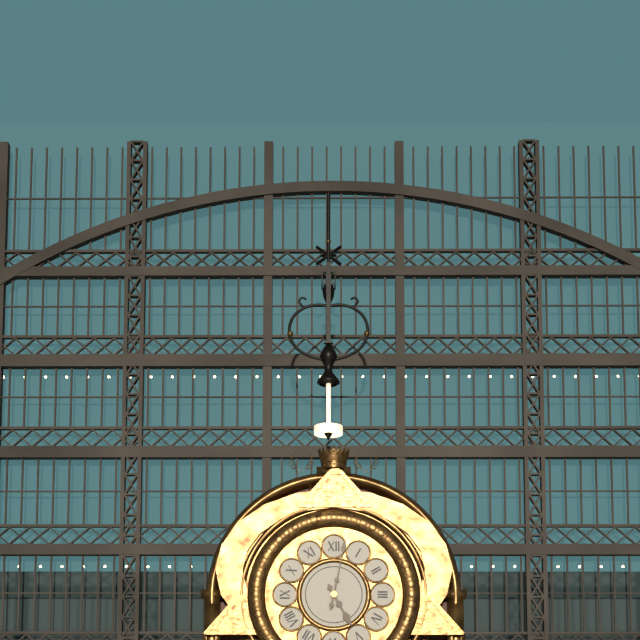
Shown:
5h02
